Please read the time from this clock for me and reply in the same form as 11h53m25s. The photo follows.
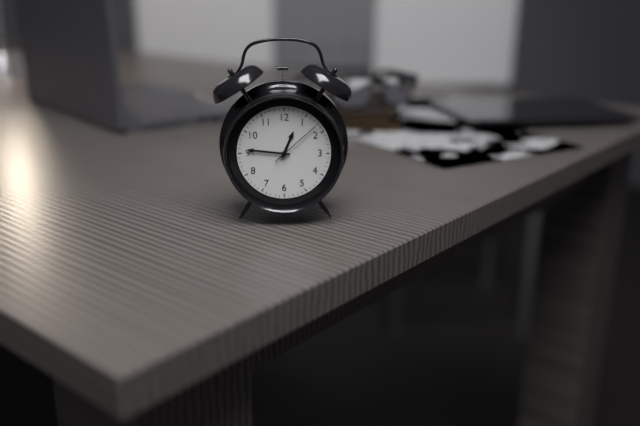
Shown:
12h46m08s
